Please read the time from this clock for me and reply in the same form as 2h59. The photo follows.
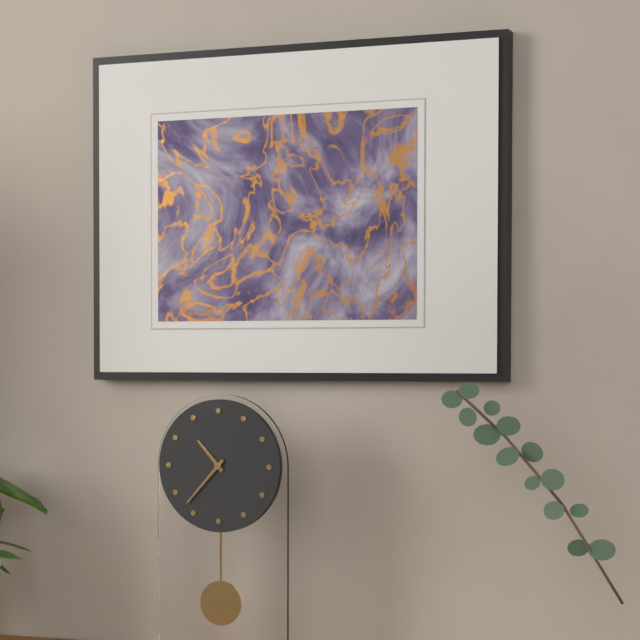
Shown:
10h37
